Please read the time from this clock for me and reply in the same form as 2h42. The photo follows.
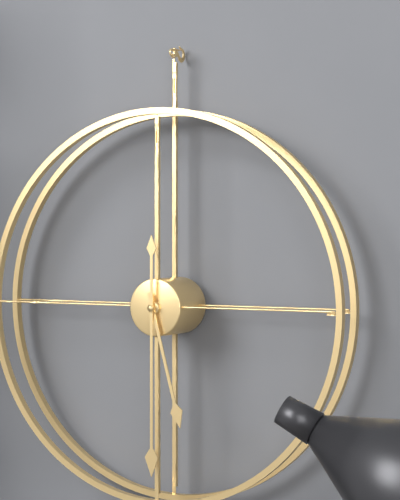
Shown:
5h30
